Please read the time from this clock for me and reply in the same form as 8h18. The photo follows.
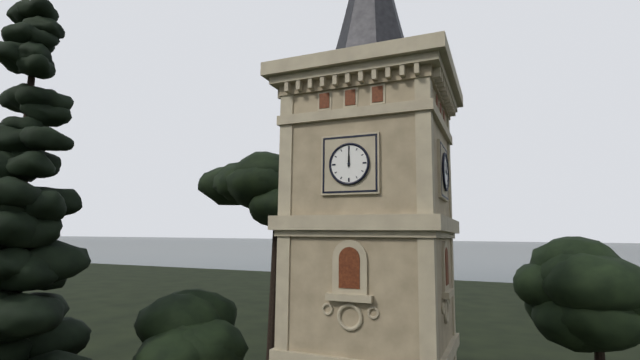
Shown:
12h00
